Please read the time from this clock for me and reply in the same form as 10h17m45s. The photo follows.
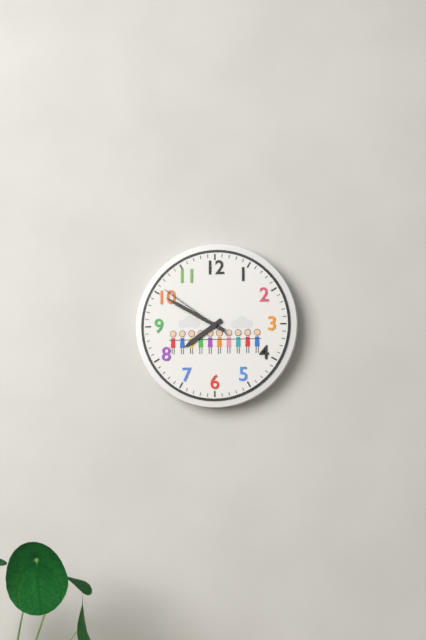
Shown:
7h50m51s
